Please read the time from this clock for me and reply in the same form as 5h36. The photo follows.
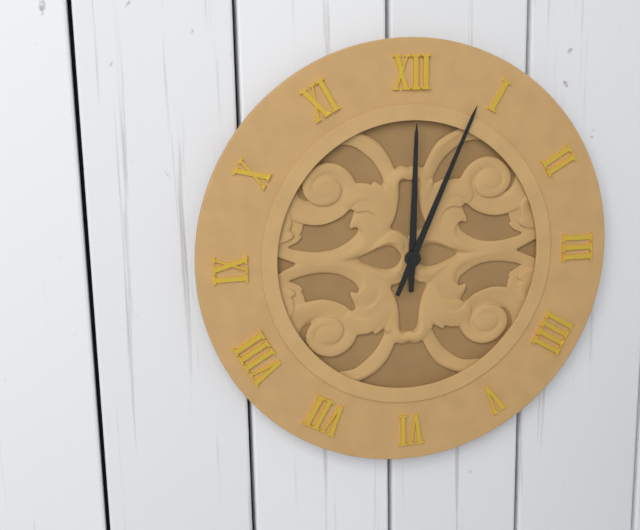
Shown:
12h04
